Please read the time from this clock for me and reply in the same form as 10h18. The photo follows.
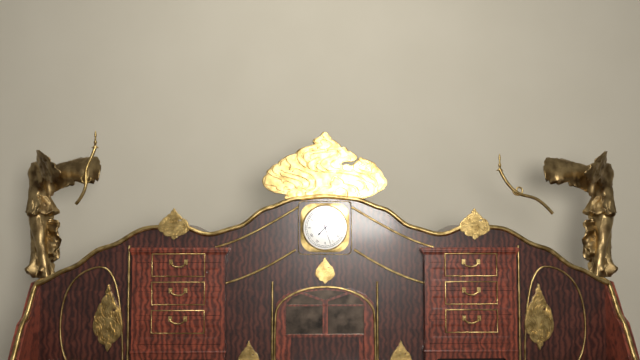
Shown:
7h27
